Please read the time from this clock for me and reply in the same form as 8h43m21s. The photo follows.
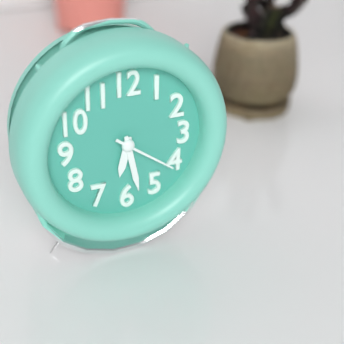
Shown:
6h28m21s
